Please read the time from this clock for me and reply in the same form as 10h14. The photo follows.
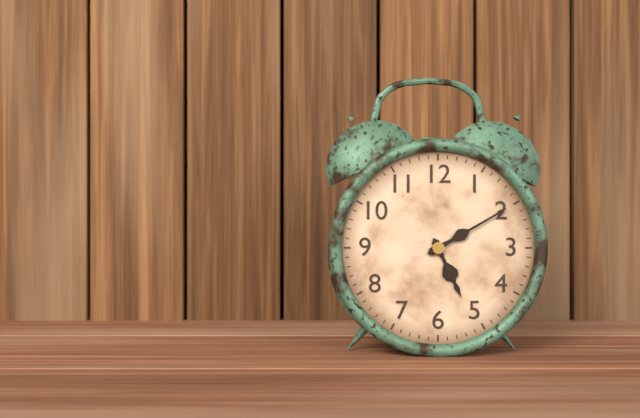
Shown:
5h10
